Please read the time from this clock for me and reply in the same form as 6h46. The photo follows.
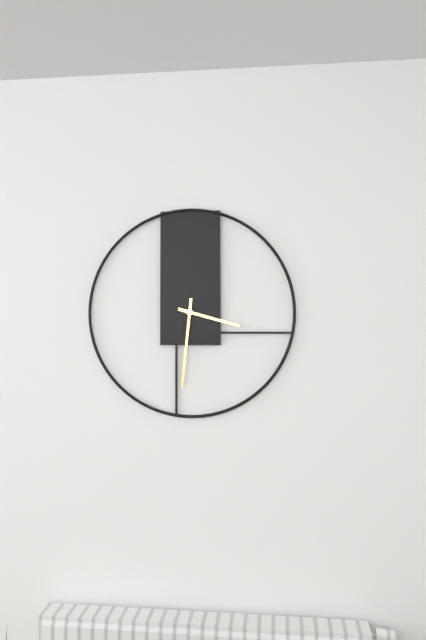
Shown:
3h31
